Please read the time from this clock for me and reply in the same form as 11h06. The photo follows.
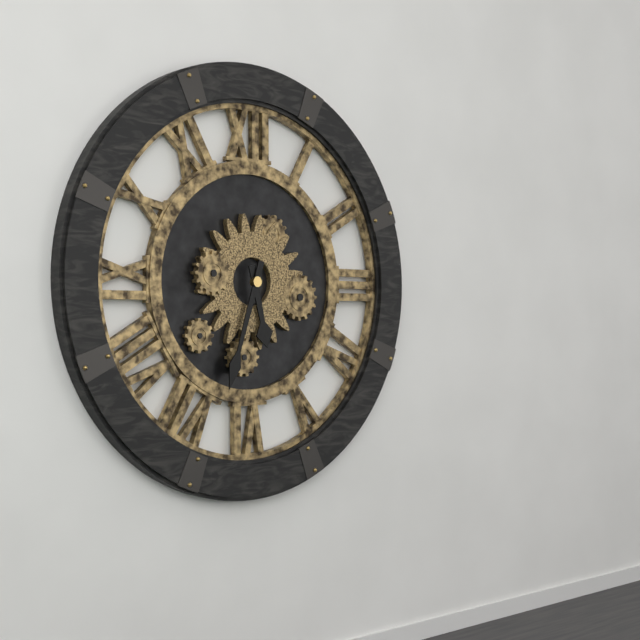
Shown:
5h33
